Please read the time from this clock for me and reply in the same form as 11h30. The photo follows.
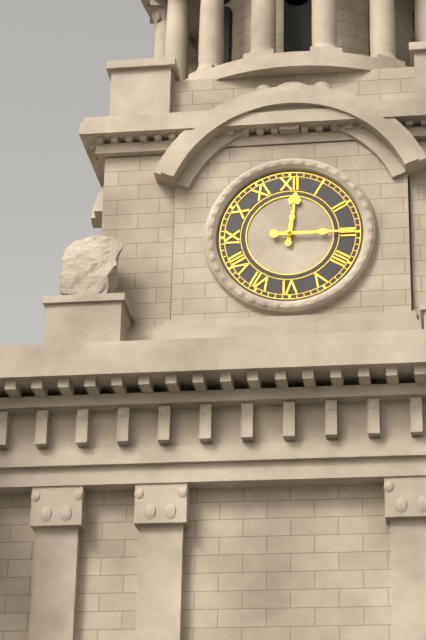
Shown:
12h15
